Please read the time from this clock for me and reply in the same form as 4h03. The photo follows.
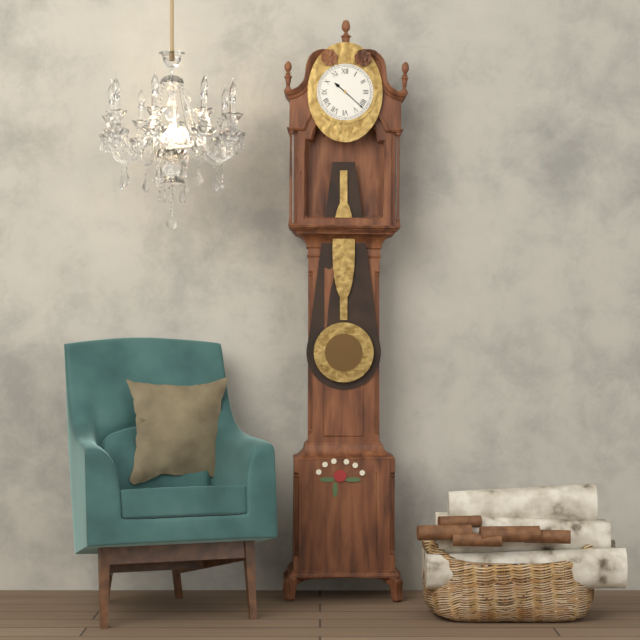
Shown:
10h22
